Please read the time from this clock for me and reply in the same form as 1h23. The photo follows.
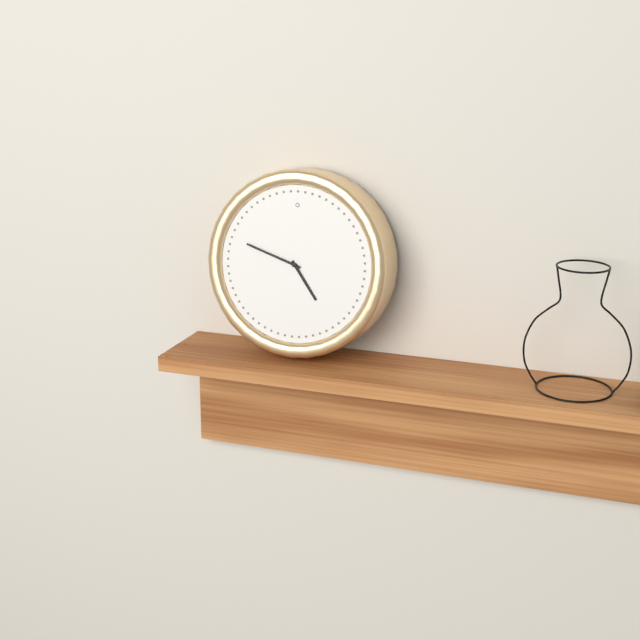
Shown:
4h48
